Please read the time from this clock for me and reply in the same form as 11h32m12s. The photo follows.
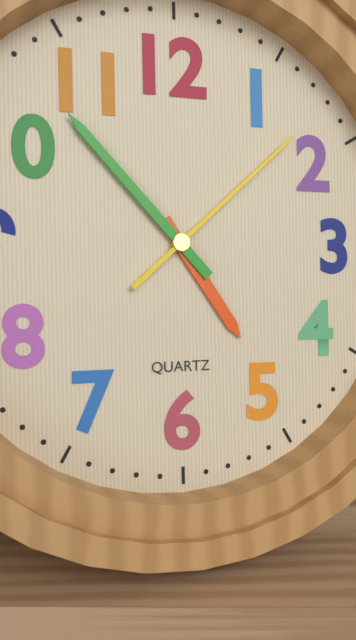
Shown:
4h53m08s
